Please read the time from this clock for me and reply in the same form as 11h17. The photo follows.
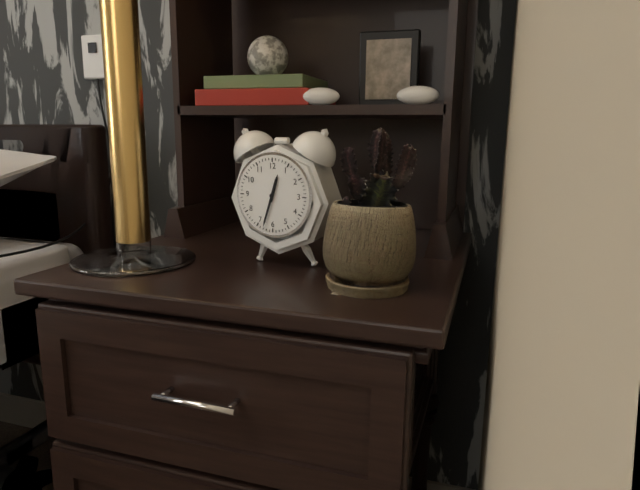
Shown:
12h33
